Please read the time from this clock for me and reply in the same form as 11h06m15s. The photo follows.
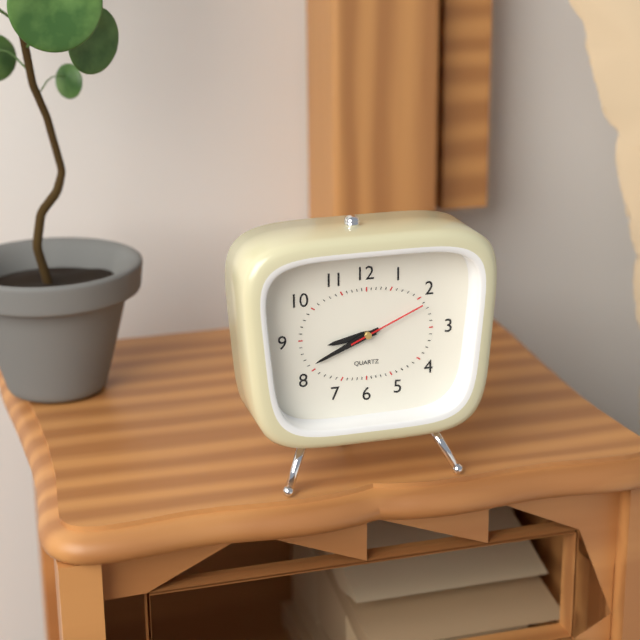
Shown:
8h41m11s
